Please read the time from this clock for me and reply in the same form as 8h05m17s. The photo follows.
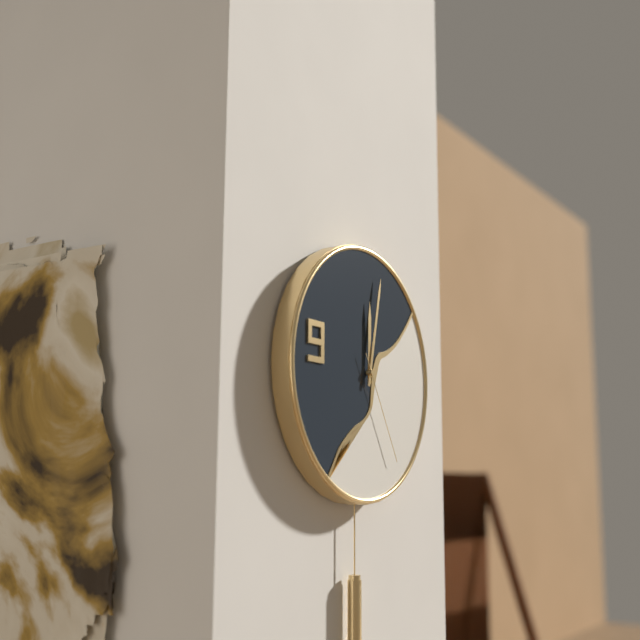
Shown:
12h02m25s
